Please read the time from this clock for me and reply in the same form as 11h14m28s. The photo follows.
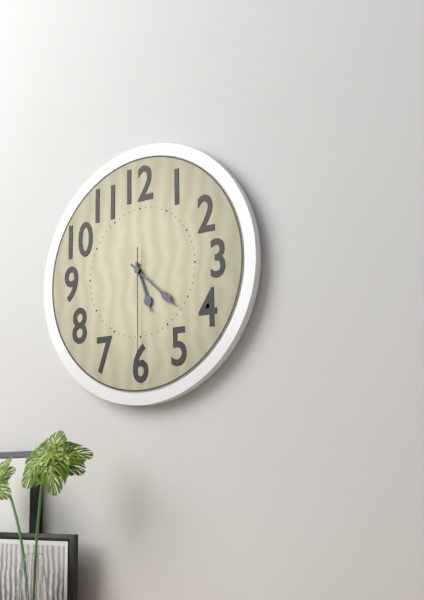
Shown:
5h22m30s
